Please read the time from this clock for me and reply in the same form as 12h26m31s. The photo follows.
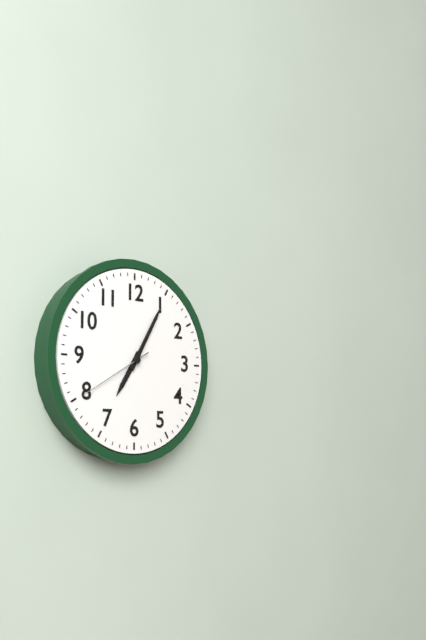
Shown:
7h05m40s
